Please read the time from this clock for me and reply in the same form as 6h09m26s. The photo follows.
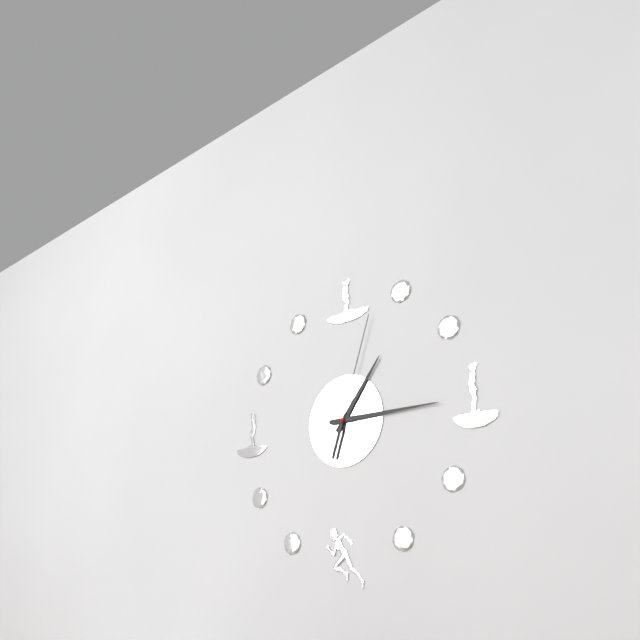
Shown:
1h15m03s
